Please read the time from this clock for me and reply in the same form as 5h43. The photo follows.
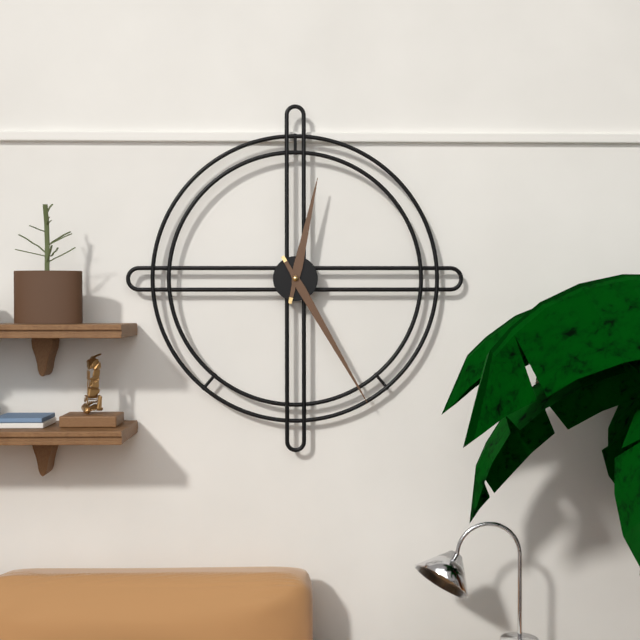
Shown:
12h25
